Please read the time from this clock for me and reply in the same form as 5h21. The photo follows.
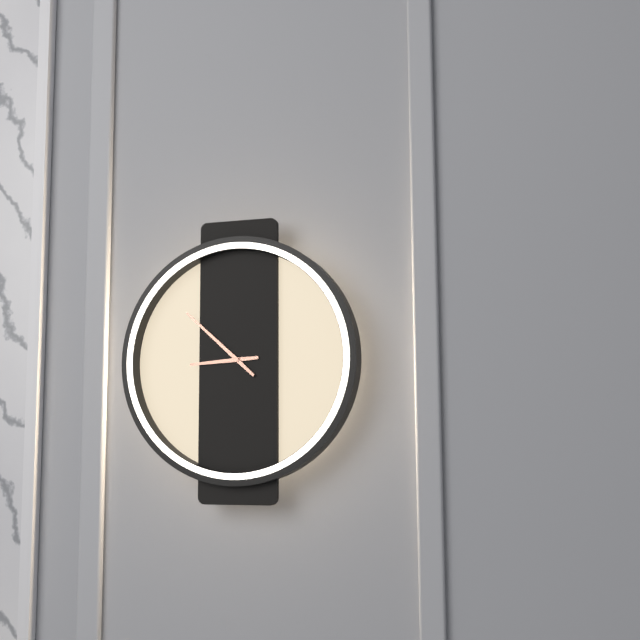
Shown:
8h52
